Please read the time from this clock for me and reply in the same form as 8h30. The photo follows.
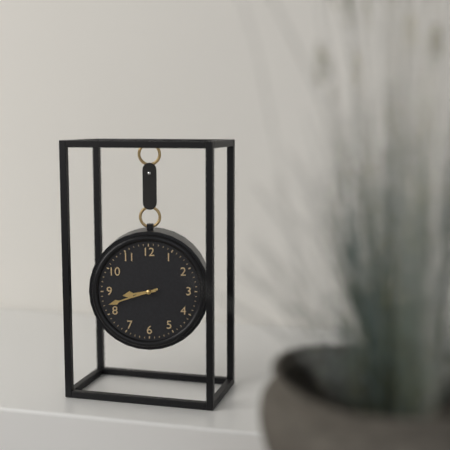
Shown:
8h42
